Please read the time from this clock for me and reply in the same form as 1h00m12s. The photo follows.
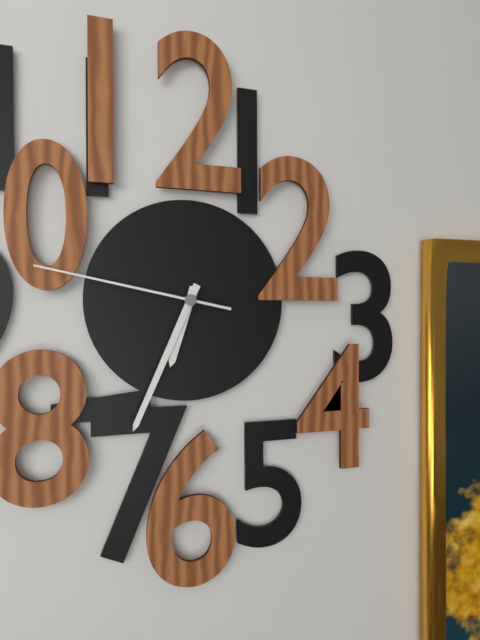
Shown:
6h34m47s
